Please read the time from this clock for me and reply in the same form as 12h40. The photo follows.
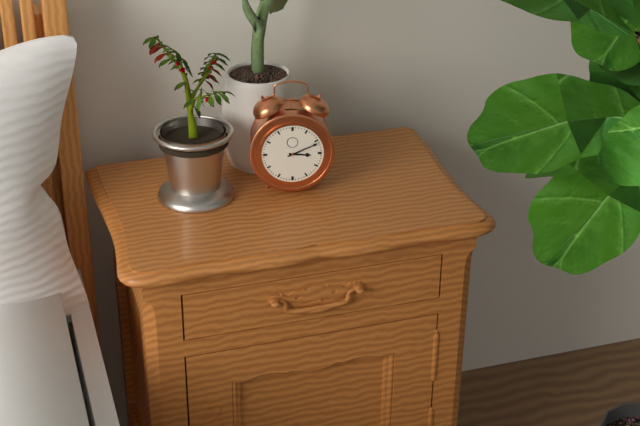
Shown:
3h11
